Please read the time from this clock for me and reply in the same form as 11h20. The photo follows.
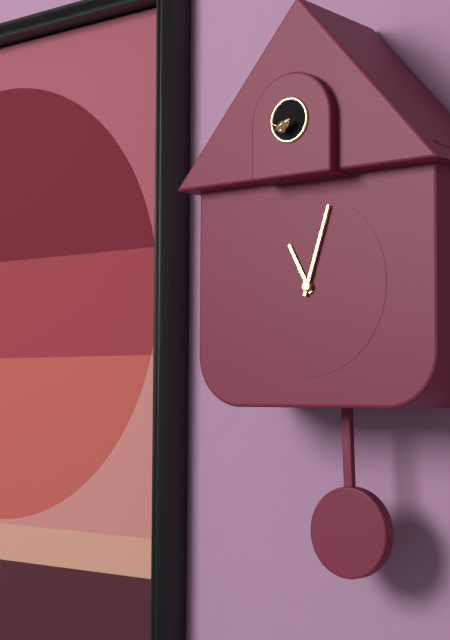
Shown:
11h03
